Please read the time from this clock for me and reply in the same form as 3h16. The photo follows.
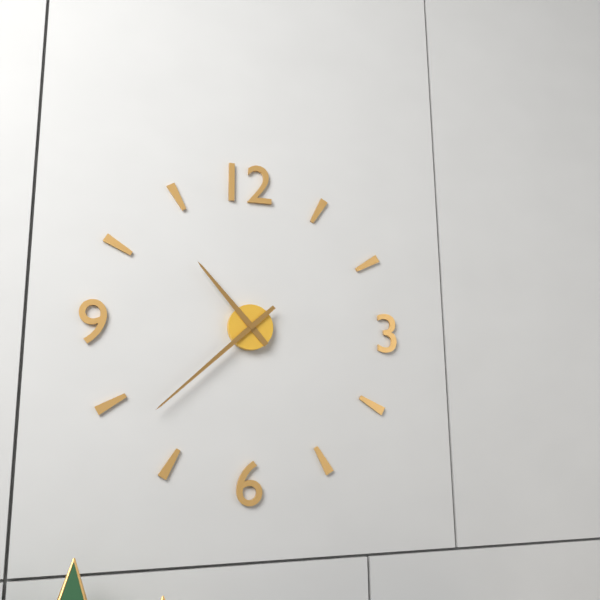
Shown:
10h38
